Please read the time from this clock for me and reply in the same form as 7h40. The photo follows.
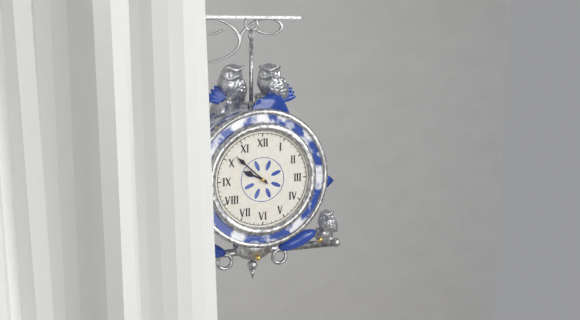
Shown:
9h52
